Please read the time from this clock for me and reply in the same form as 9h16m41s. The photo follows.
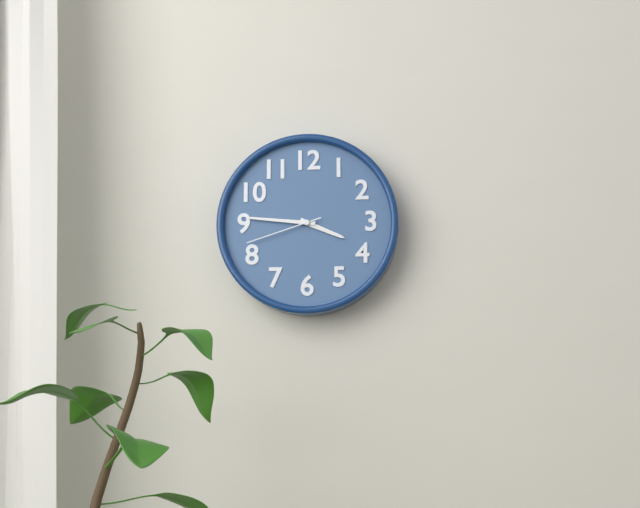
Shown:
3h46m42s
